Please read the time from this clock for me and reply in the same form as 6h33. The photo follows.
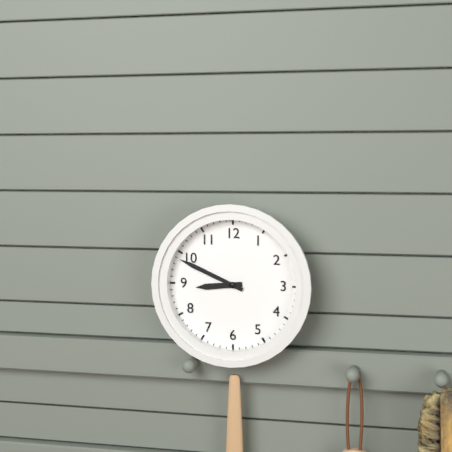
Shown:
8h49
